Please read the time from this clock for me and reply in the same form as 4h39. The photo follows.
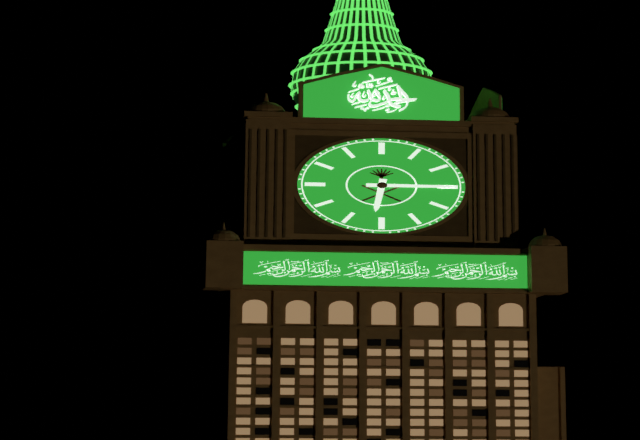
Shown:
6h15
